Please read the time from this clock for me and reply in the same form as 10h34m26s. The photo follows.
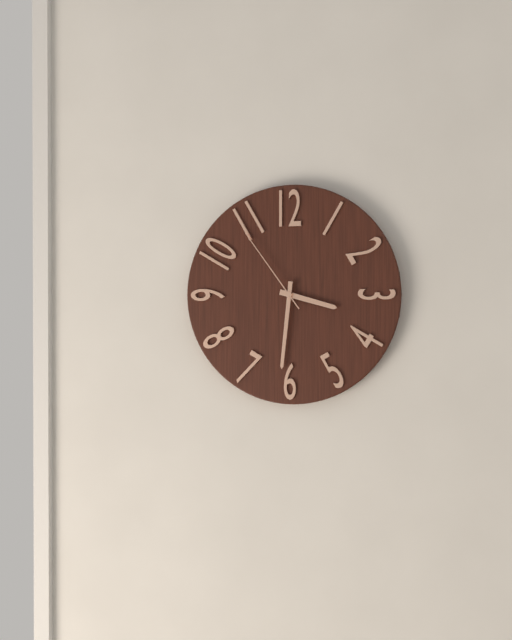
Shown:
3h31m54s
